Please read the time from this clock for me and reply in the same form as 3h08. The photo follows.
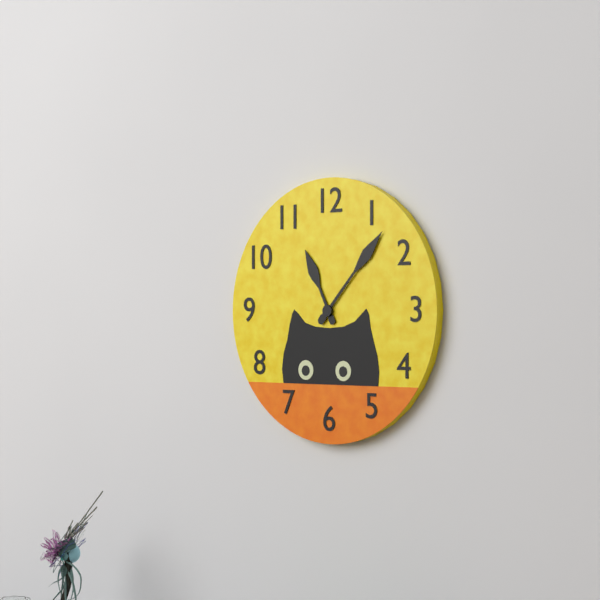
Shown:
11h07
